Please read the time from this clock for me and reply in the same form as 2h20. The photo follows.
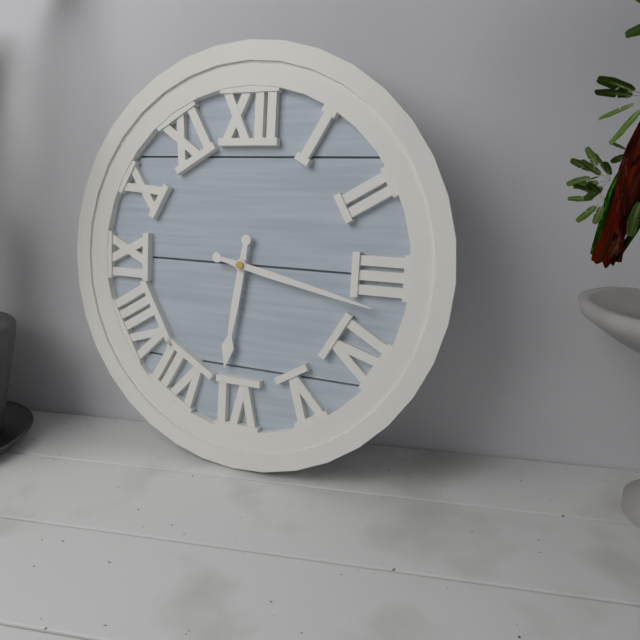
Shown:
6h17
